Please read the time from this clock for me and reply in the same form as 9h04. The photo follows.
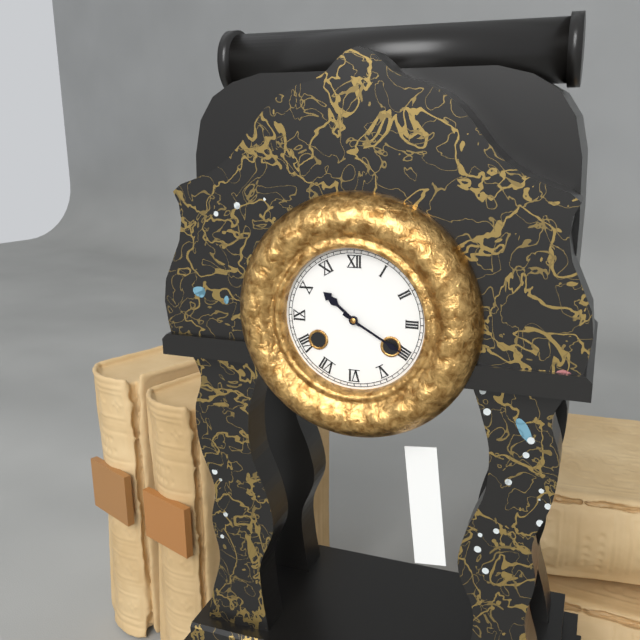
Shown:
10h20
